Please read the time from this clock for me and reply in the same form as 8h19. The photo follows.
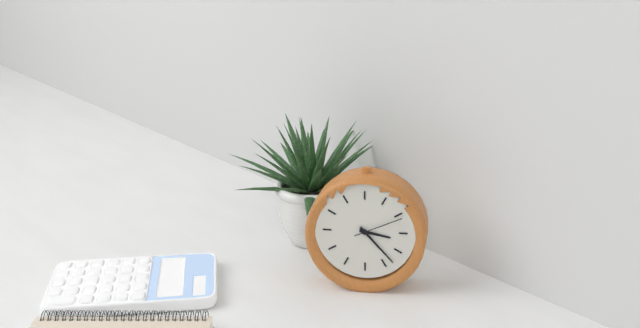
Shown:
3h23
